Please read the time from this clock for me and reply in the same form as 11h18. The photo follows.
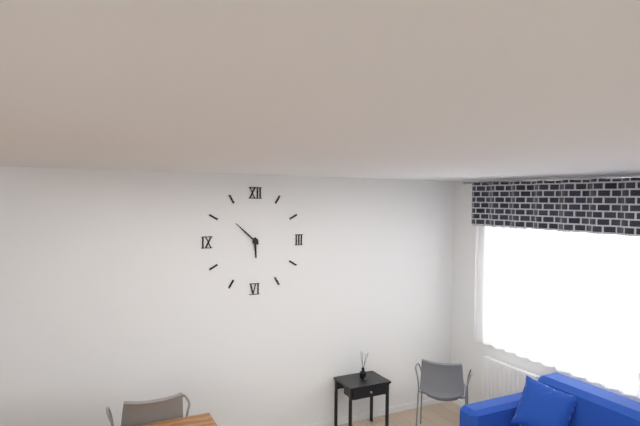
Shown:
5h52
